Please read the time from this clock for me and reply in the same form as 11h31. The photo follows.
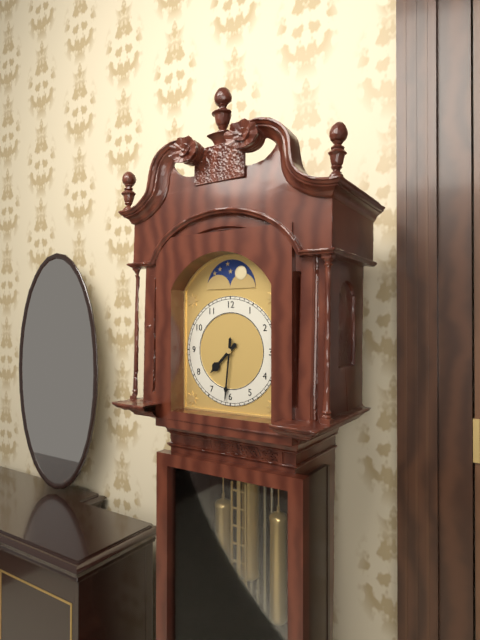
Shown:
7h31
